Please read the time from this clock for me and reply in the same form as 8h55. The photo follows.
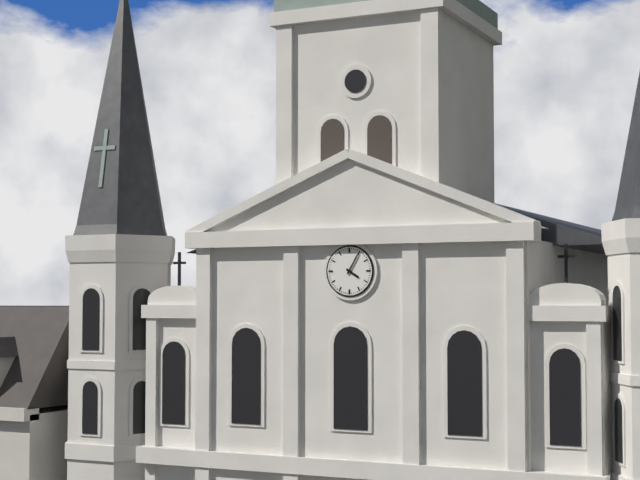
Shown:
4h05
